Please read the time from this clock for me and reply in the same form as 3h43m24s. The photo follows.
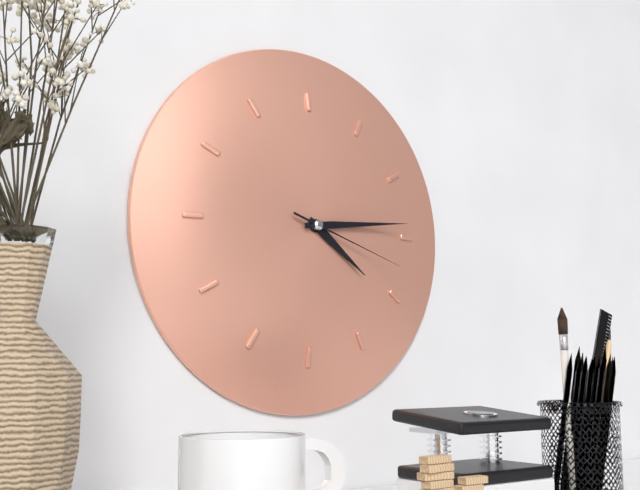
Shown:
4h14m18s
